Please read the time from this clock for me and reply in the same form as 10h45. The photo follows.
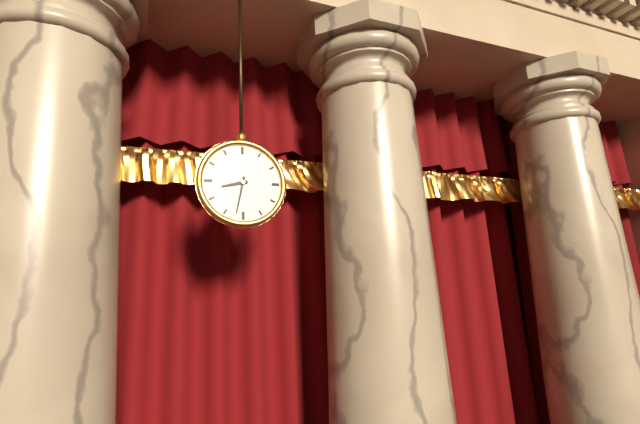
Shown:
8h32
